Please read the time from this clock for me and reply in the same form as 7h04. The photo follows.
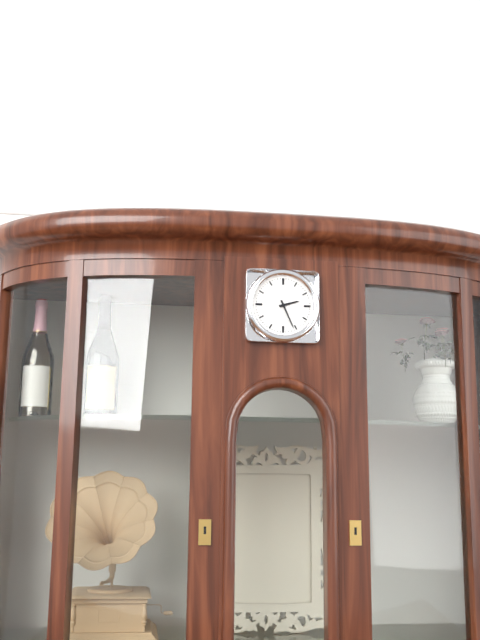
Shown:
2h26
